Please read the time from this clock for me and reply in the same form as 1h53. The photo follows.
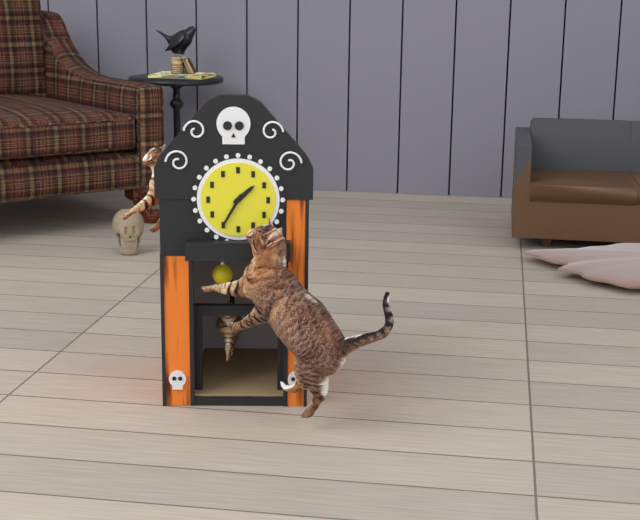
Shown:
1h35
